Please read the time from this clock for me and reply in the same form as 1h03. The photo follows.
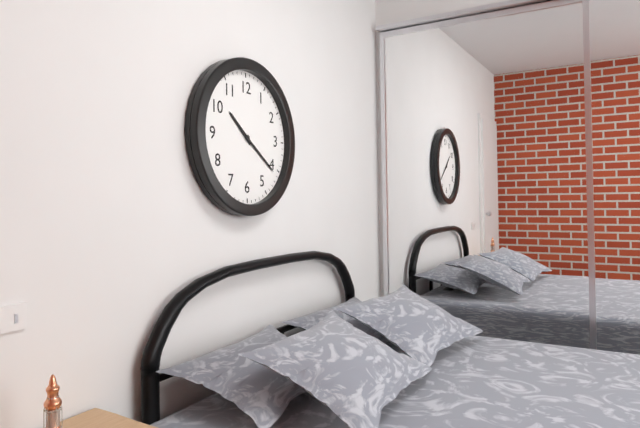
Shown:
10h21
